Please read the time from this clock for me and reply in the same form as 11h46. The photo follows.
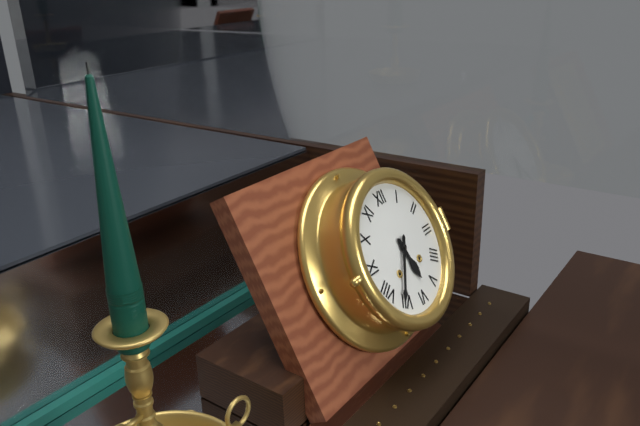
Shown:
5h36
